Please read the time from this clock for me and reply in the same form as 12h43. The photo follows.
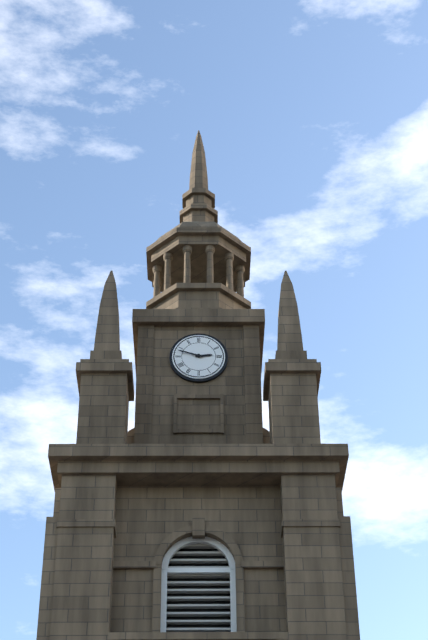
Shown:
2h48
